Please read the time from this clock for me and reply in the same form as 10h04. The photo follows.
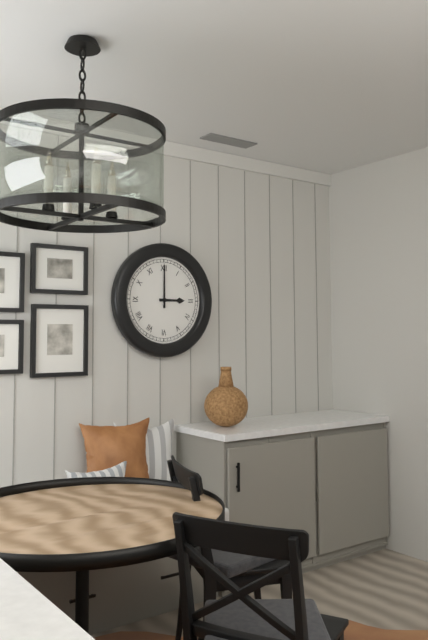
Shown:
3h00
